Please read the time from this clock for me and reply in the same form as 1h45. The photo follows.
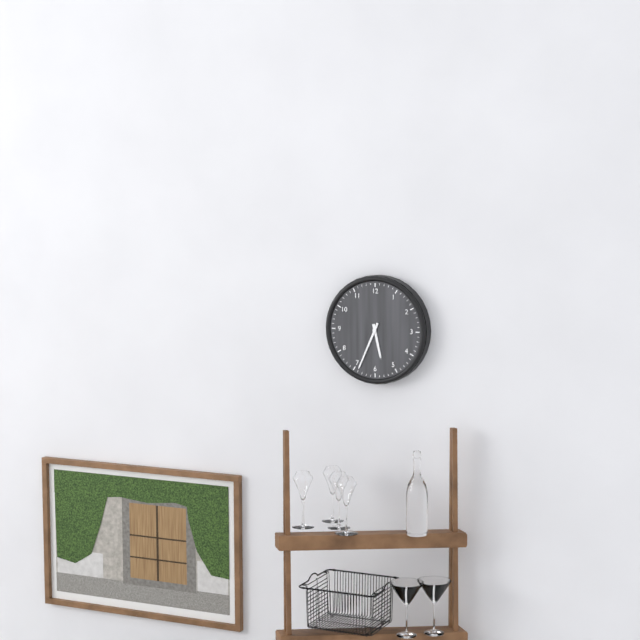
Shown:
5h34
